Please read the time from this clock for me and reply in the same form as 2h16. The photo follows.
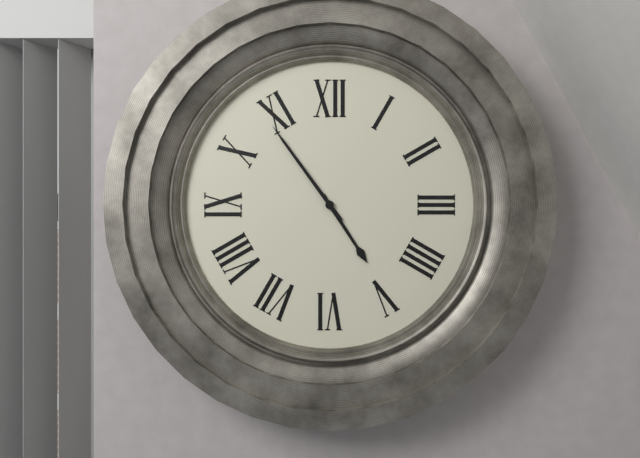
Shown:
4h54
